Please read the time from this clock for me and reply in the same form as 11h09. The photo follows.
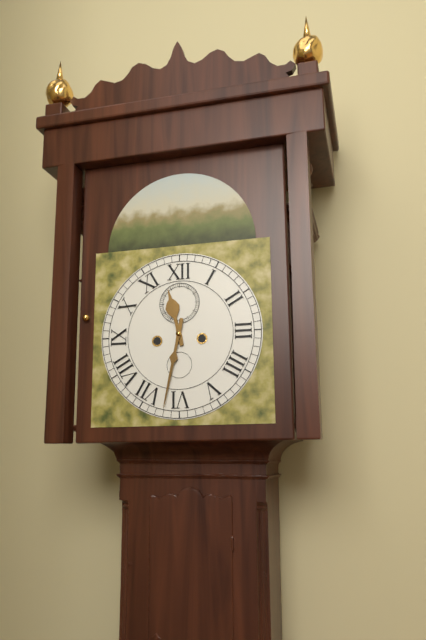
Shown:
11h32
